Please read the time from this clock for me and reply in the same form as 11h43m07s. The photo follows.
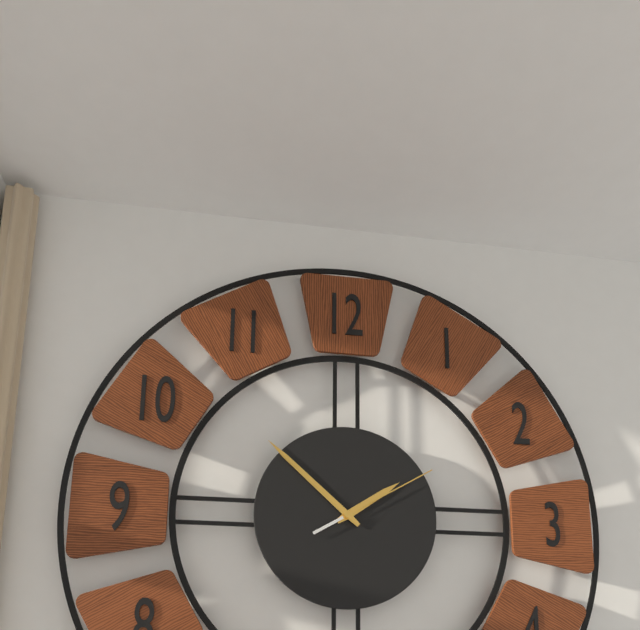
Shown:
1h52m10s
